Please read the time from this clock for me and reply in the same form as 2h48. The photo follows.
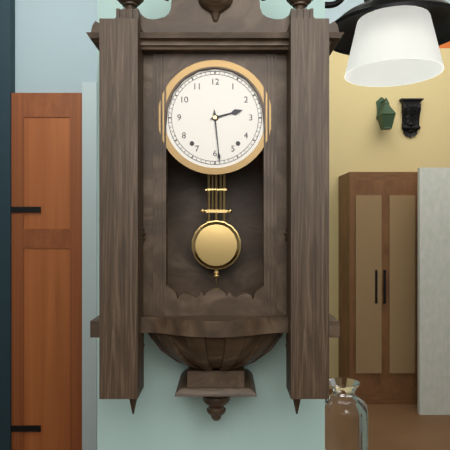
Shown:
2h29
